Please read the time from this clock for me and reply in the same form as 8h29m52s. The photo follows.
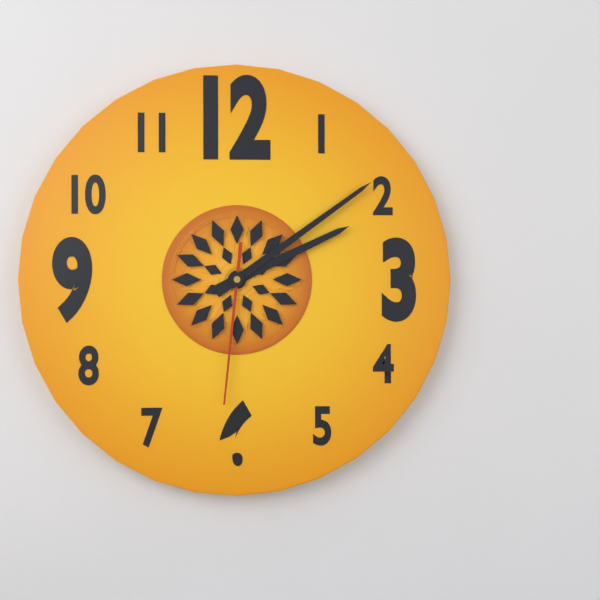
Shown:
2h09m31s
